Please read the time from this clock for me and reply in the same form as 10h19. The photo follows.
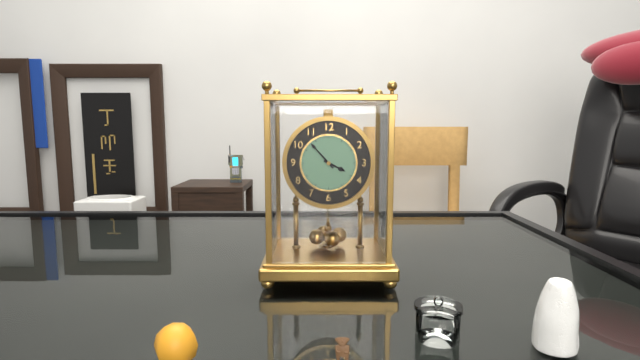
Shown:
3h53
